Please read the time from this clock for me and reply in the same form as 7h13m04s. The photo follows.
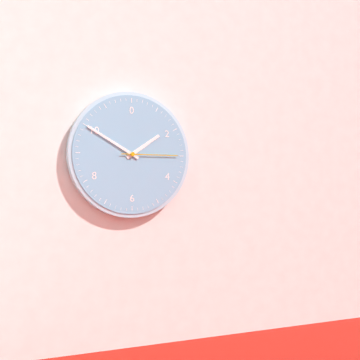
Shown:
1h50m15s
